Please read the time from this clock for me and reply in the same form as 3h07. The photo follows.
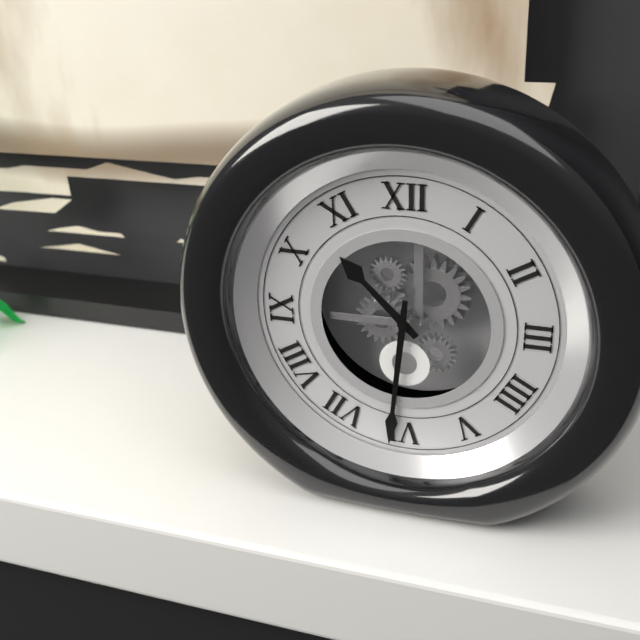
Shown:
10h31
